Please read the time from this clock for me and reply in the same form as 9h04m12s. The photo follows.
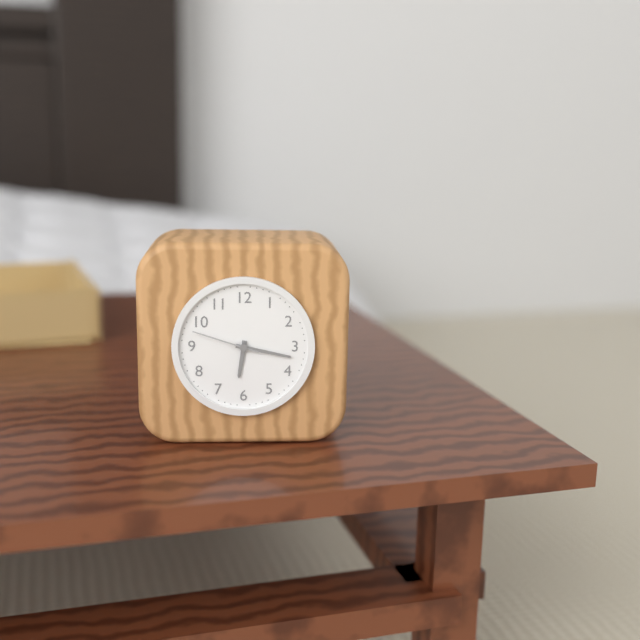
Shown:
6h17m48s
